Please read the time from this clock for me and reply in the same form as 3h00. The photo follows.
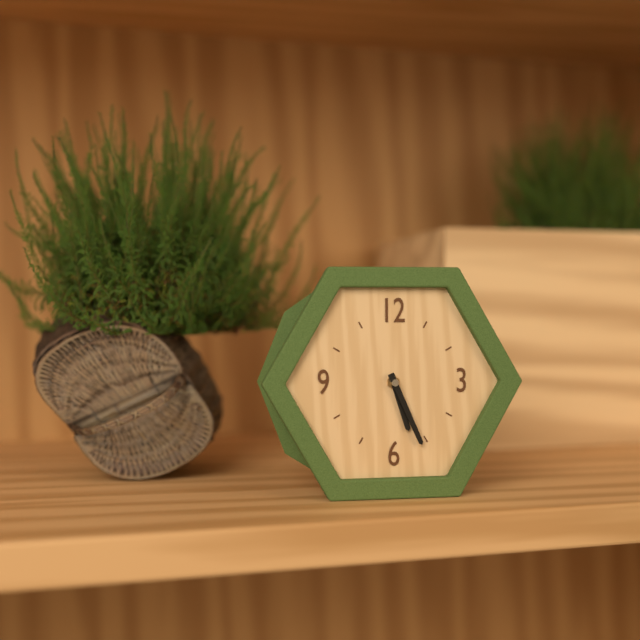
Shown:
5h26
